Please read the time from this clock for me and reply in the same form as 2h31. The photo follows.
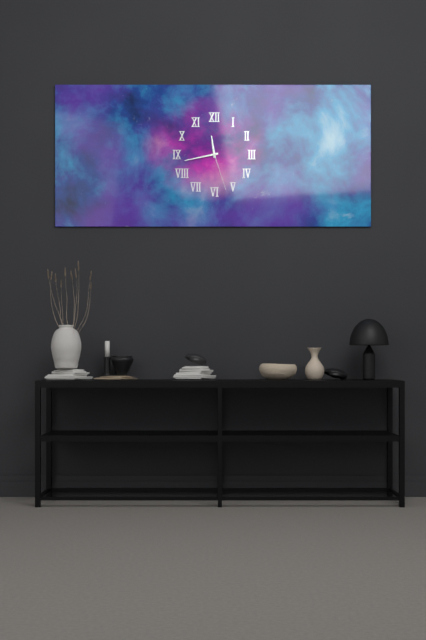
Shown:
11h43
